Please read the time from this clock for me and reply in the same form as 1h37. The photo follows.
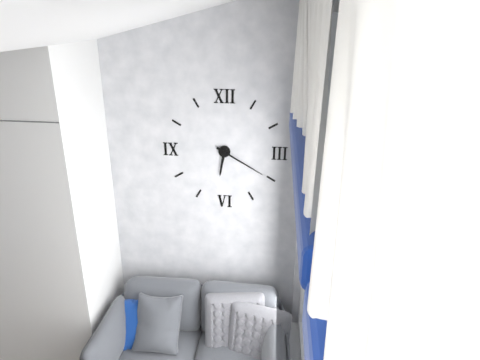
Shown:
6h20
